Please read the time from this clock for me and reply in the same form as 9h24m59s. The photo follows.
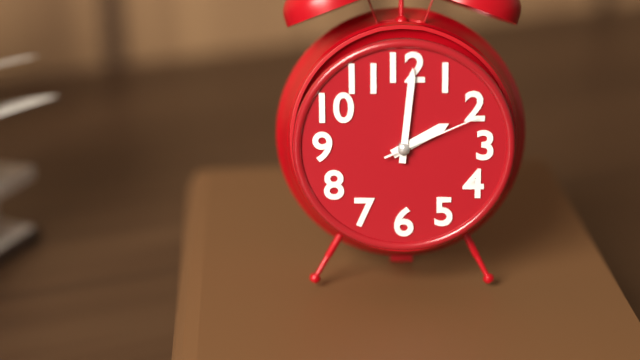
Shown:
2h01m11s
